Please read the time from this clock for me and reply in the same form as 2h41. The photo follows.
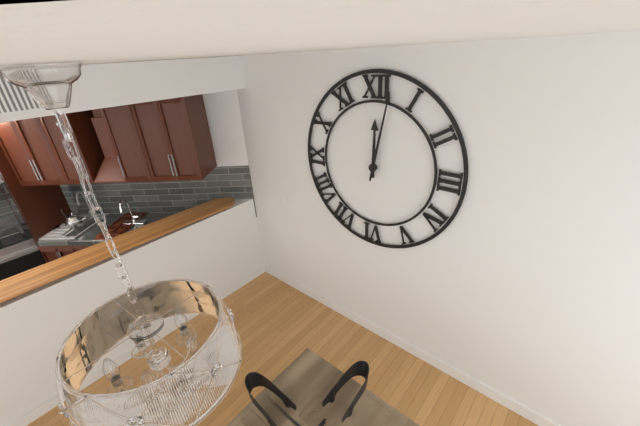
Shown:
12h02
